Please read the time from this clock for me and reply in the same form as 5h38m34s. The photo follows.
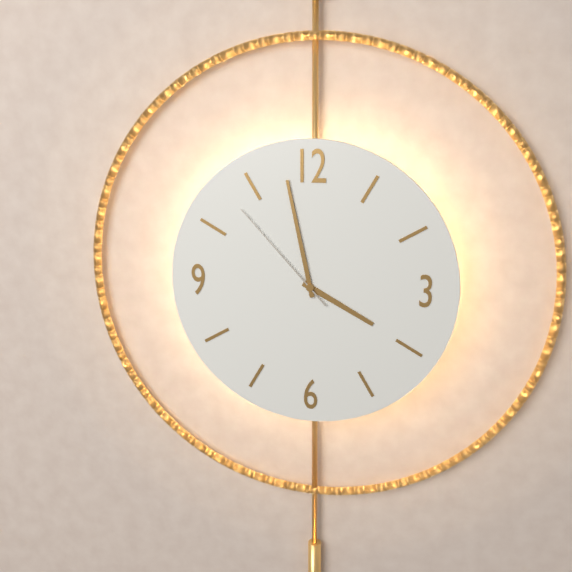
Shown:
3h58m53s
